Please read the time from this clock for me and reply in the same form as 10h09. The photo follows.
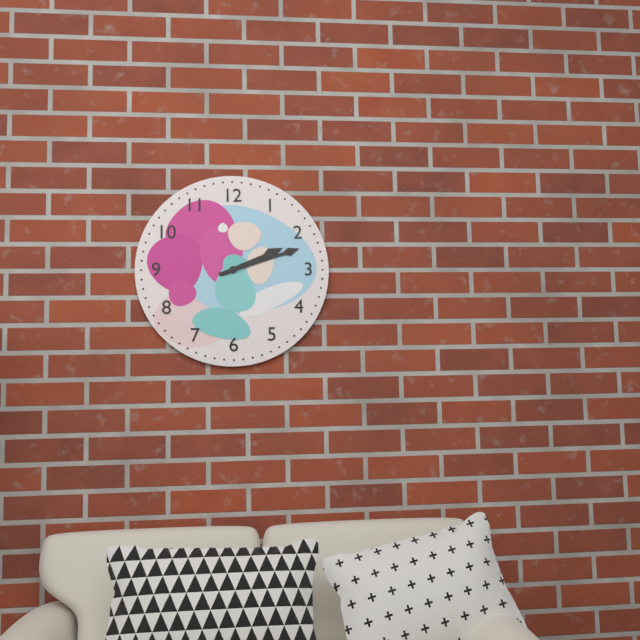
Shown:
2h12
